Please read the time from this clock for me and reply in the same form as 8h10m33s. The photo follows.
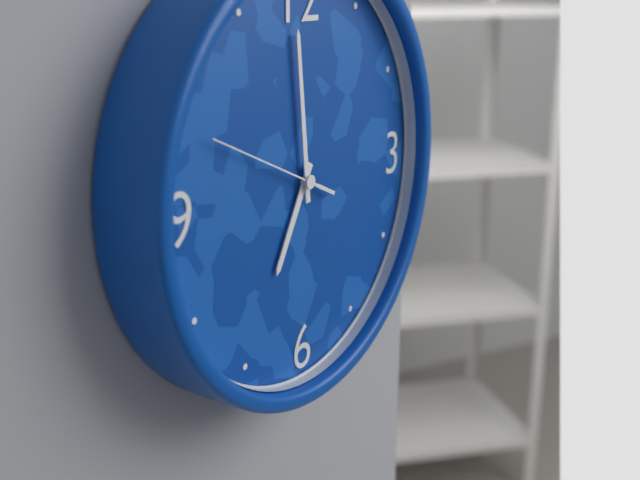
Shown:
6h59m49s
